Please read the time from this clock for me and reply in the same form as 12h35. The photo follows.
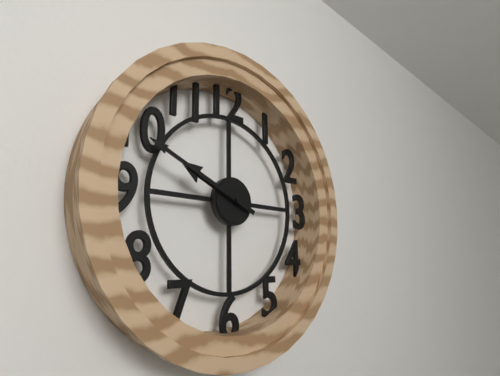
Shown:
9h49
